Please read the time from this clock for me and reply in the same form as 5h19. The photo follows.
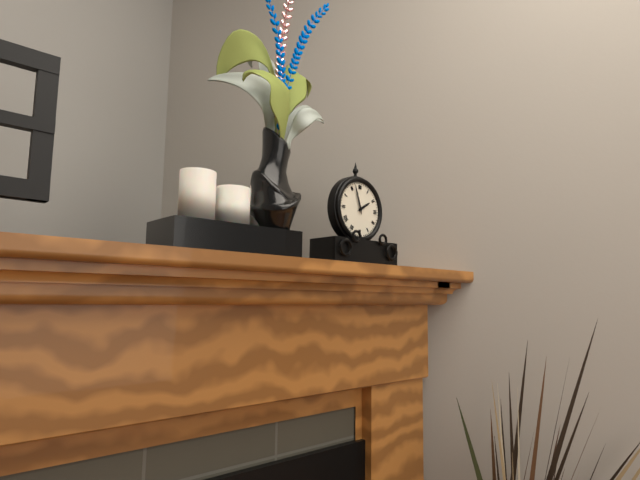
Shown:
1h57
